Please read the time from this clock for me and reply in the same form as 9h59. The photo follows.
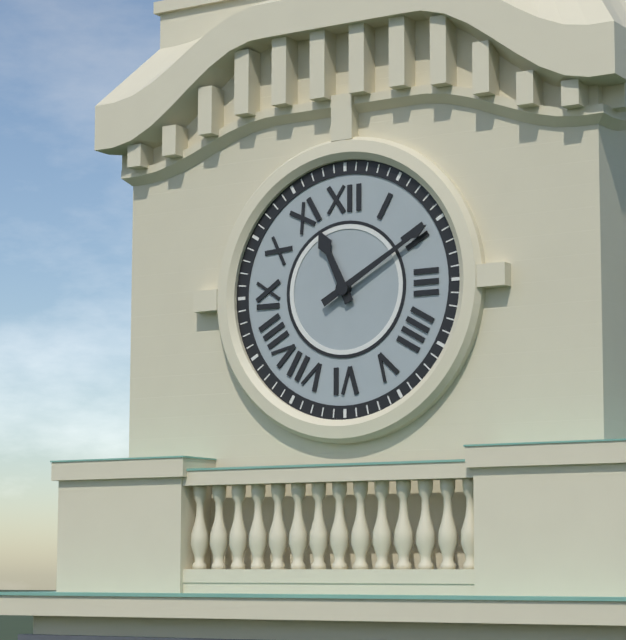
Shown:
11h10
